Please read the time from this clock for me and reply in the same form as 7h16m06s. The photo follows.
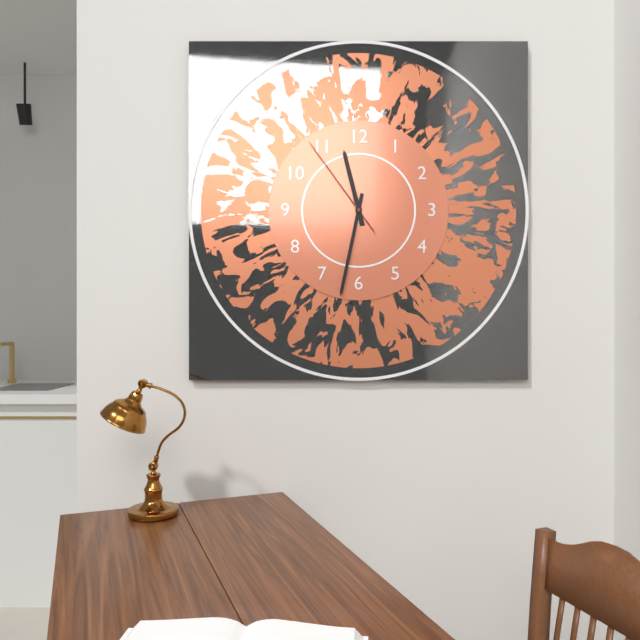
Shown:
11h32m54s
